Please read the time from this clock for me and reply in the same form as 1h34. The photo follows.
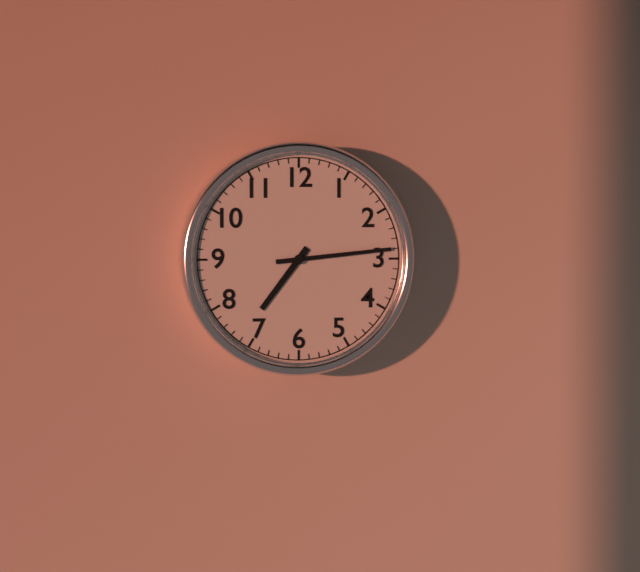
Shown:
7h14
